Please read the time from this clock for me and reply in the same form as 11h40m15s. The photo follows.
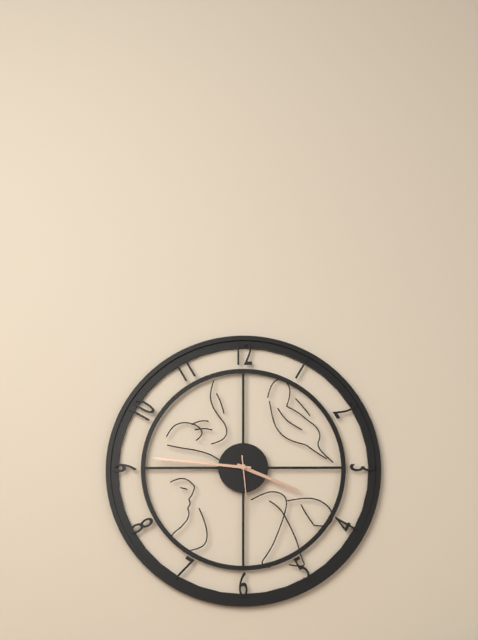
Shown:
3h46m29s
